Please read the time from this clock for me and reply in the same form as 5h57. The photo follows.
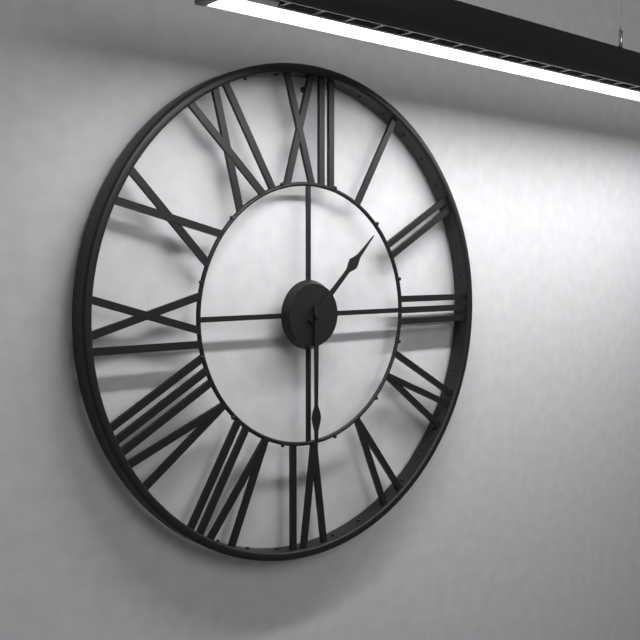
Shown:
1h30
